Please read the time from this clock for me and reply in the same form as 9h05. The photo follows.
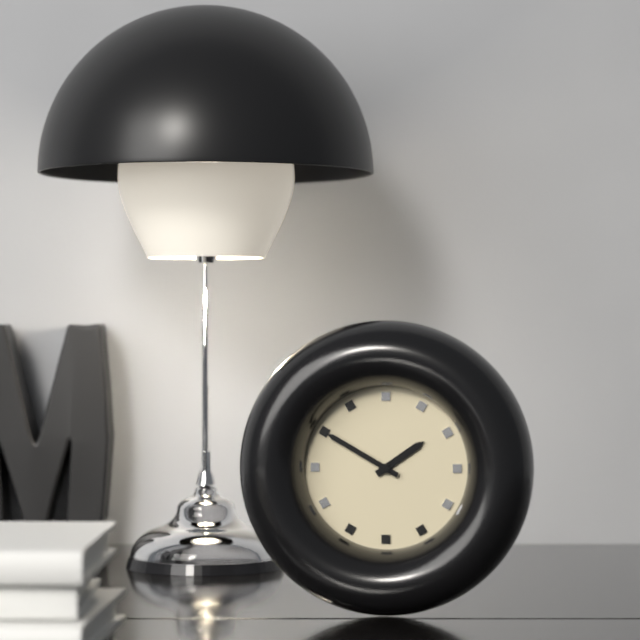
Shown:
1h50
